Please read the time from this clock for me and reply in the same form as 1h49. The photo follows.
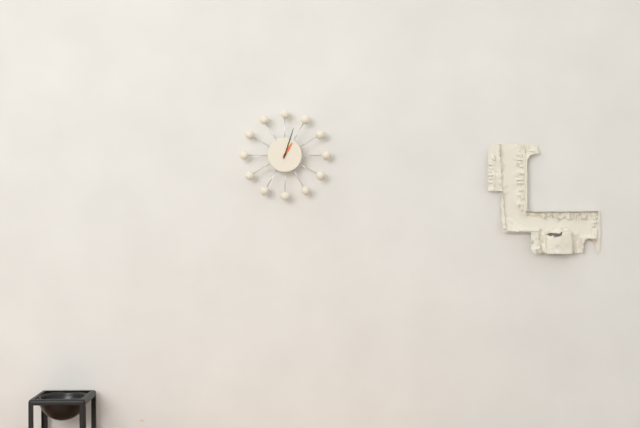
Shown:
1h03
